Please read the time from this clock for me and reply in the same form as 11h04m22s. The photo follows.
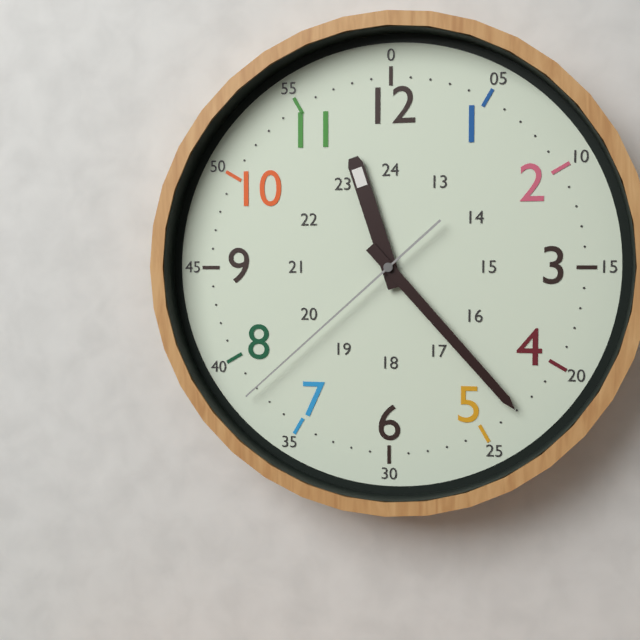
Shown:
11h23m38s
